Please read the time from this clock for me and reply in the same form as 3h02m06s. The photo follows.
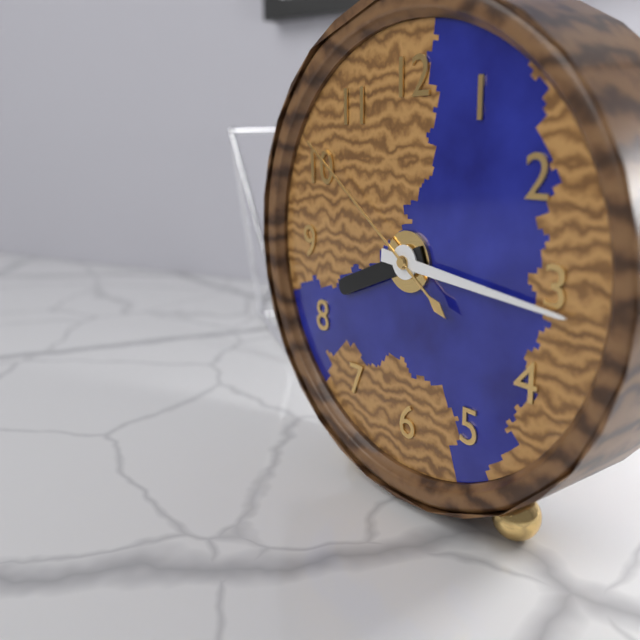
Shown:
8h16m51s
